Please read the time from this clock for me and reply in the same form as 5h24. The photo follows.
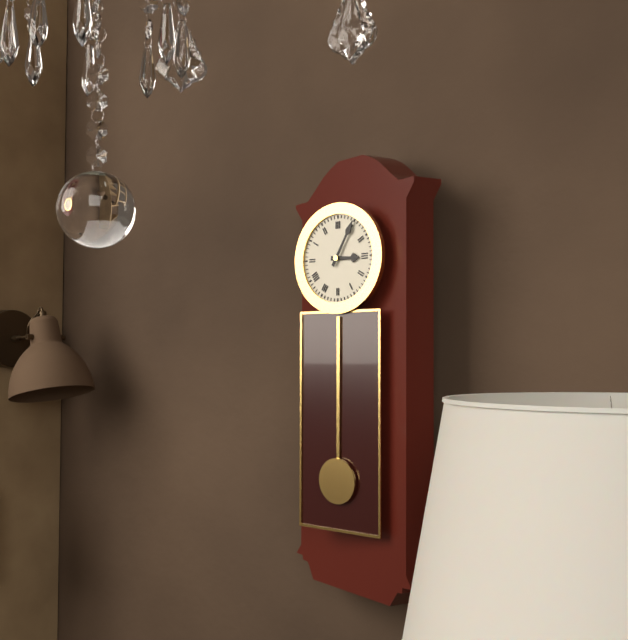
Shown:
3h05
